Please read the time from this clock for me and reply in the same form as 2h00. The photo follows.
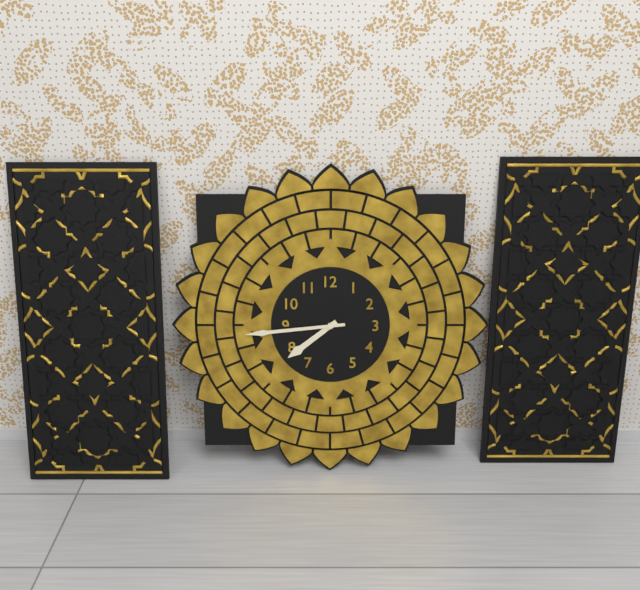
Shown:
7h44
